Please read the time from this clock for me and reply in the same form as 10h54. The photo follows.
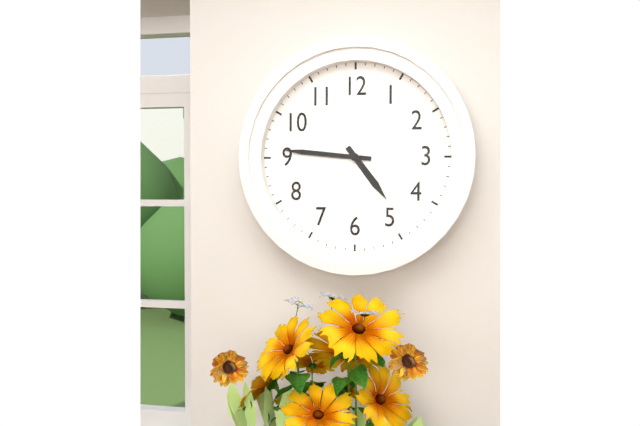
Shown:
4h46
